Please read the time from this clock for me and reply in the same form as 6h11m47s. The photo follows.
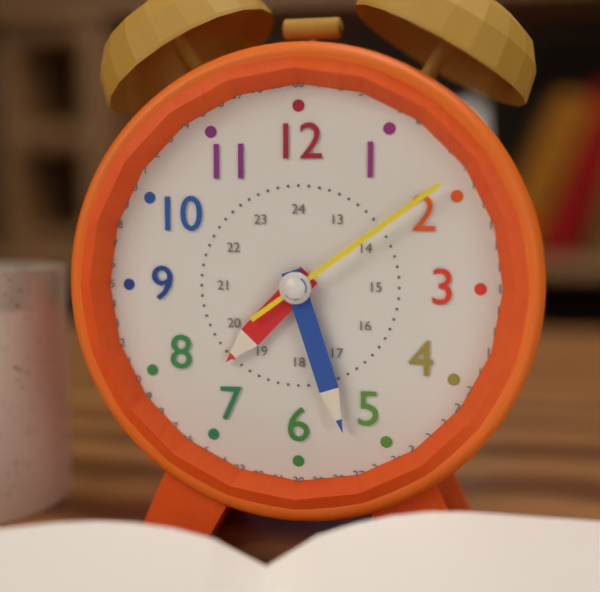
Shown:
7h27m09s
